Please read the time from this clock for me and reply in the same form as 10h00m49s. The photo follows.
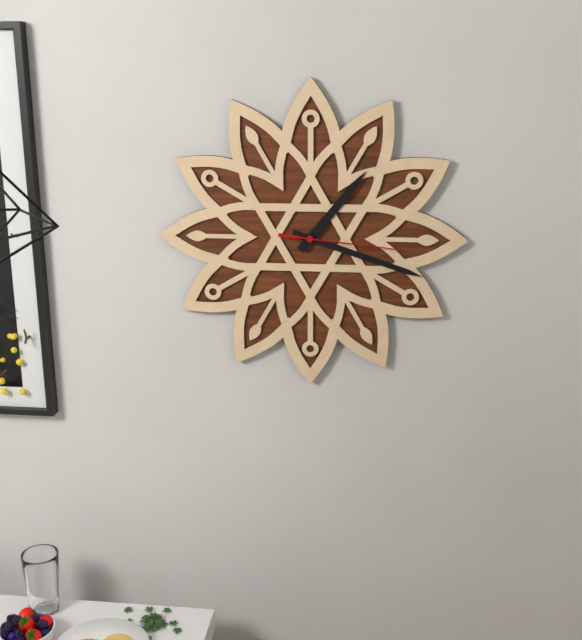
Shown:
1h18m16s
